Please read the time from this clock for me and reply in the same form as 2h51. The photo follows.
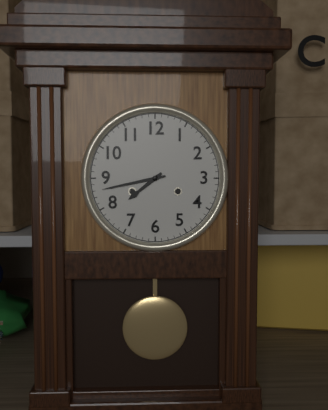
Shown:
7h43
